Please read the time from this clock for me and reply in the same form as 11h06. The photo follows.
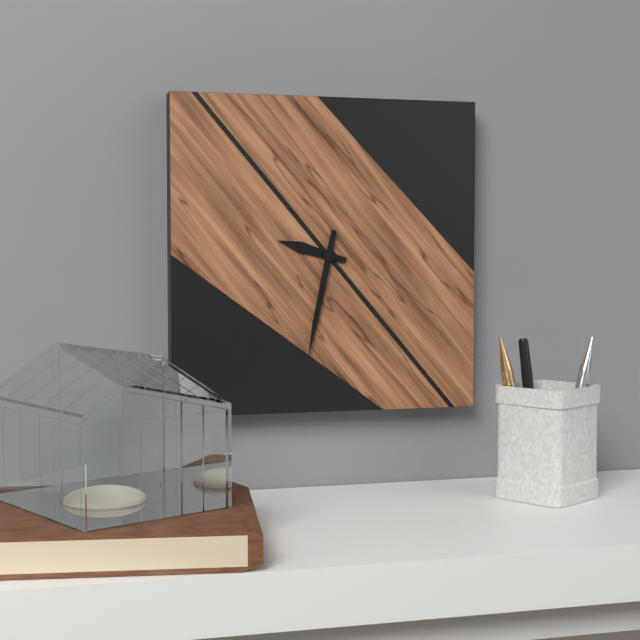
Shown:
9h32
